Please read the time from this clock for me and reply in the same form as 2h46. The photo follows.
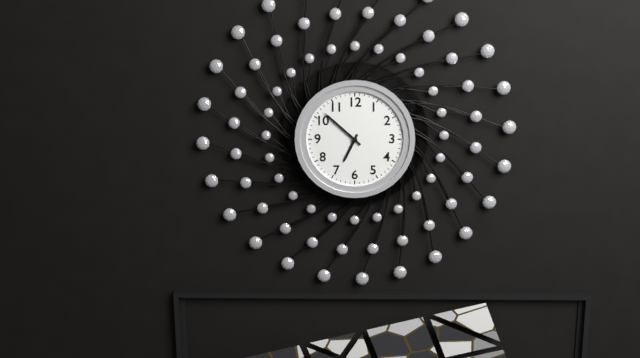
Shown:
6h52
